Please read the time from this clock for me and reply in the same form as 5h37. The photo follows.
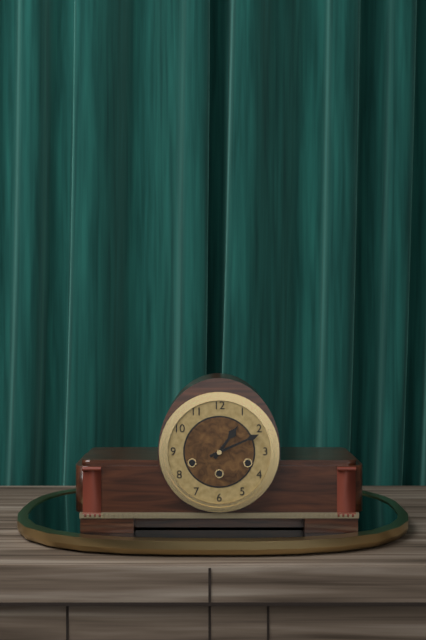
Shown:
1h11
